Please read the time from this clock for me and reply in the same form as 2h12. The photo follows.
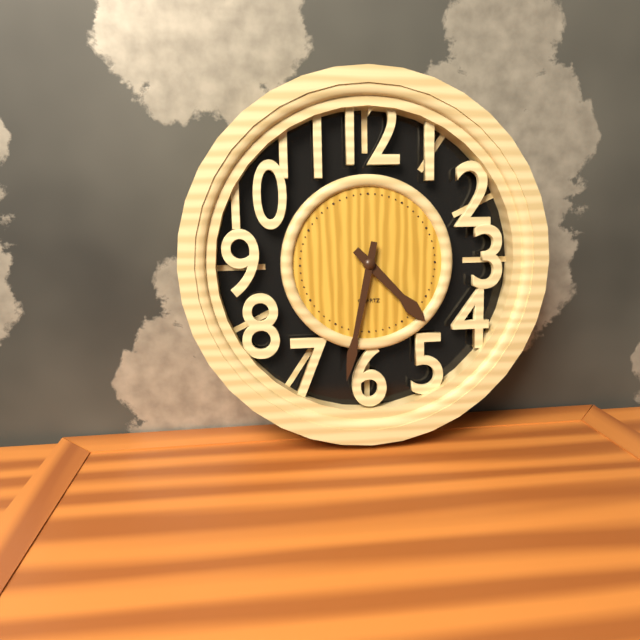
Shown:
4h32
